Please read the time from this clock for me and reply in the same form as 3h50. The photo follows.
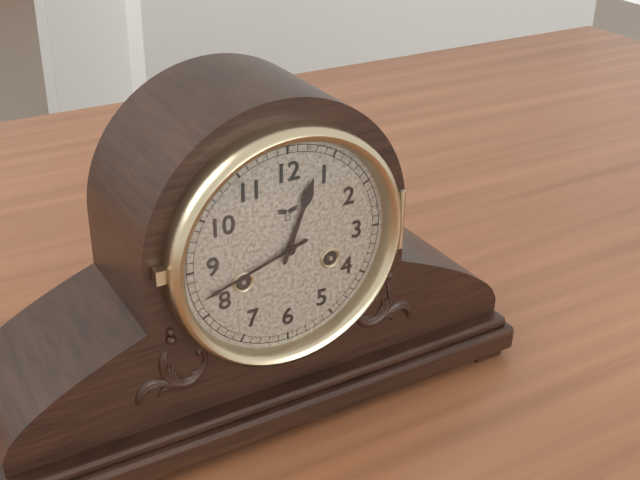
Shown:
12h42
